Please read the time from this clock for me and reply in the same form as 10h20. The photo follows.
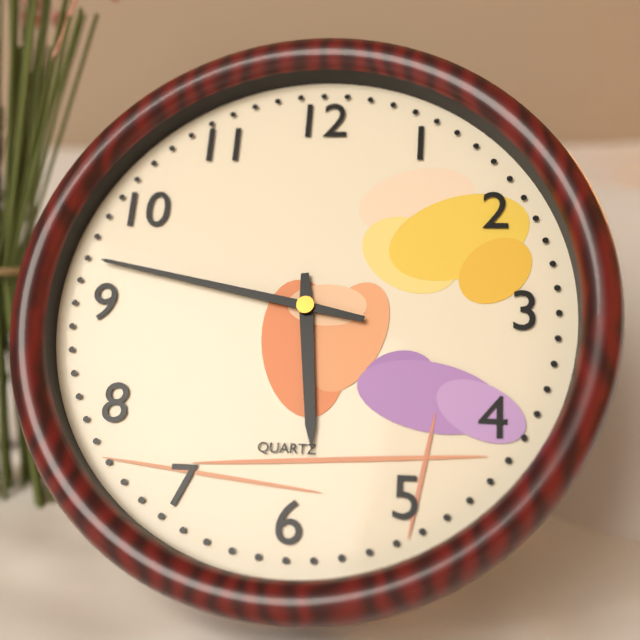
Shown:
5h47
